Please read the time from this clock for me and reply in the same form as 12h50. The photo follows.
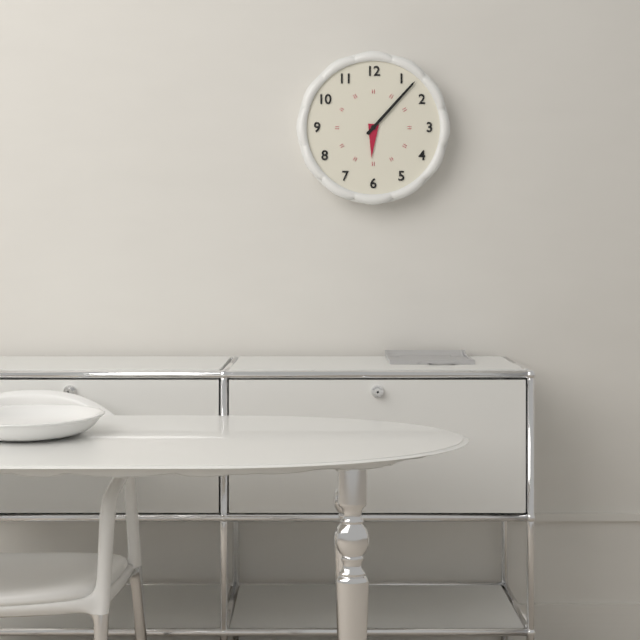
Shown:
6h07
